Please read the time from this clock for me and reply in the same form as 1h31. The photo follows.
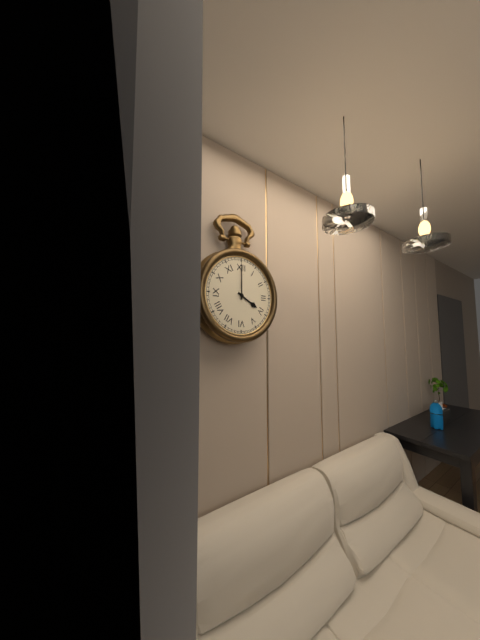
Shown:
4h00
